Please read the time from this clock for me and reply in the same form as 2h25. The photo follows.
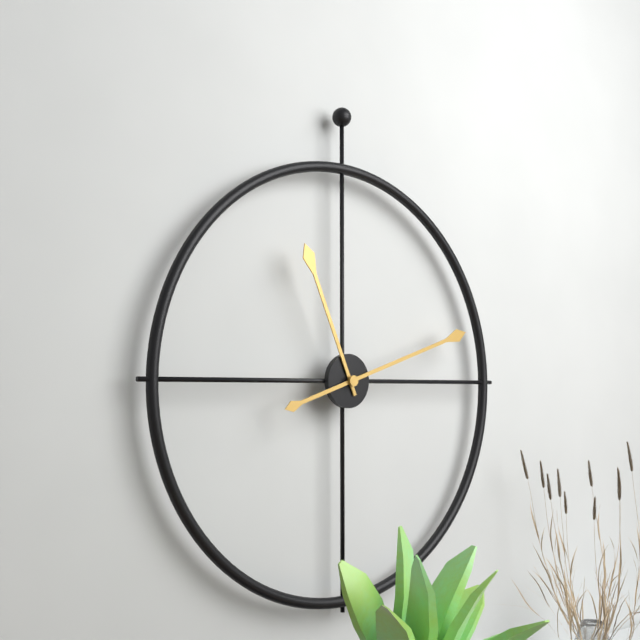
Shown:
11h12
